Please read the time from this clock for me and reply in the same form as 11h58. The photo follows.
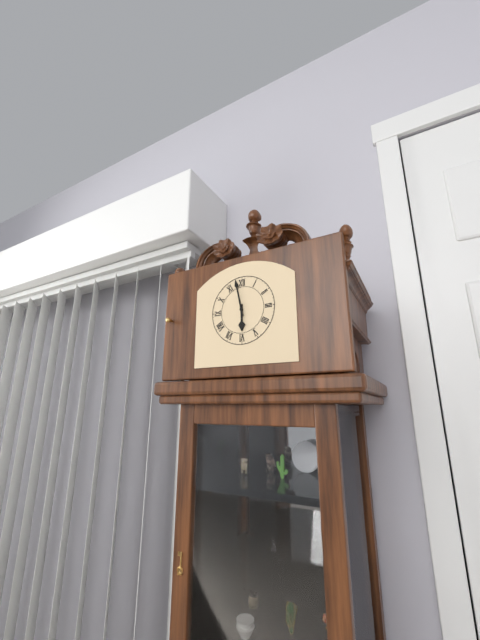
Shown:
5h58
